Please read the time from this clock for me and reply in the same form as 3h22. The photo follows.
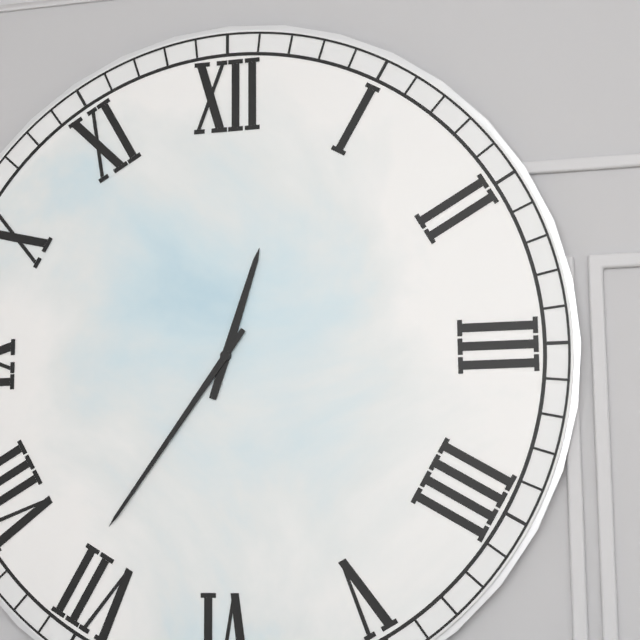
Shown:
12h36
